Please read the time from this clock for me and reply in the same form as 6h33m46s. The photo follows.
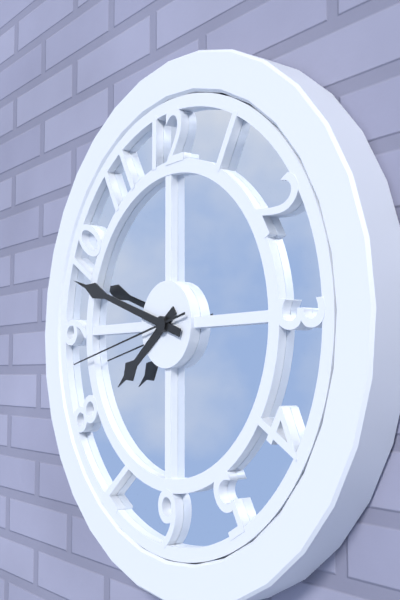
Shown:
7h48m43s
